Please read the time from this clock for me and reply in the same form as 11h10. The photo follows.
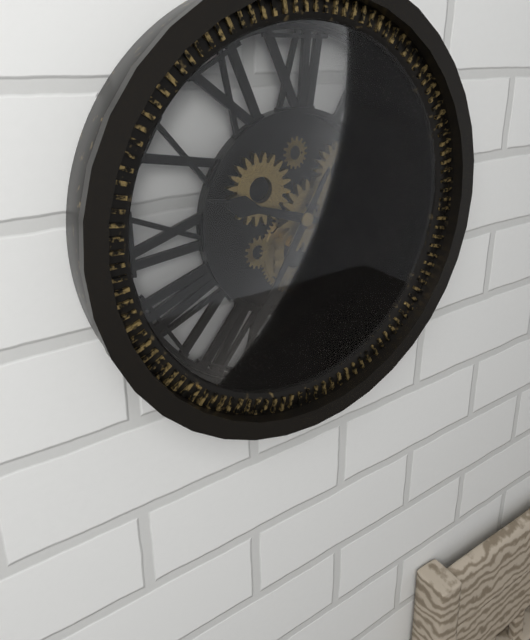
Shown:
9h35
